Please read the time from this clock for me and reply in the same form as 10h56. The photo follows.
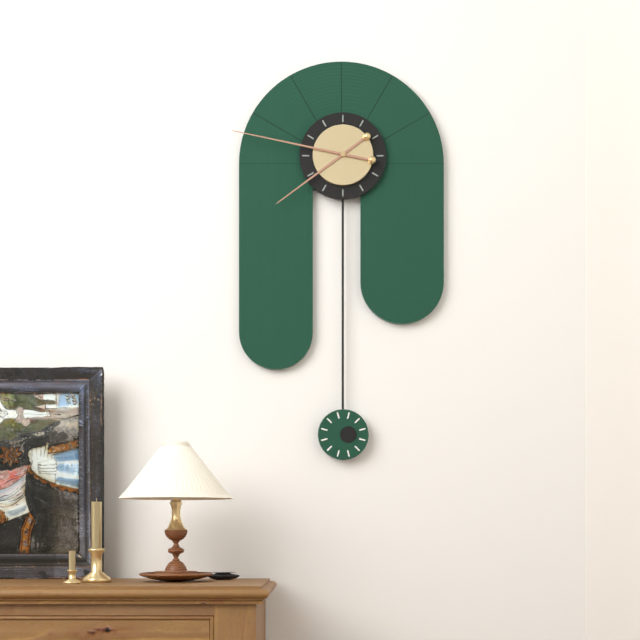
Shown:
7h47
